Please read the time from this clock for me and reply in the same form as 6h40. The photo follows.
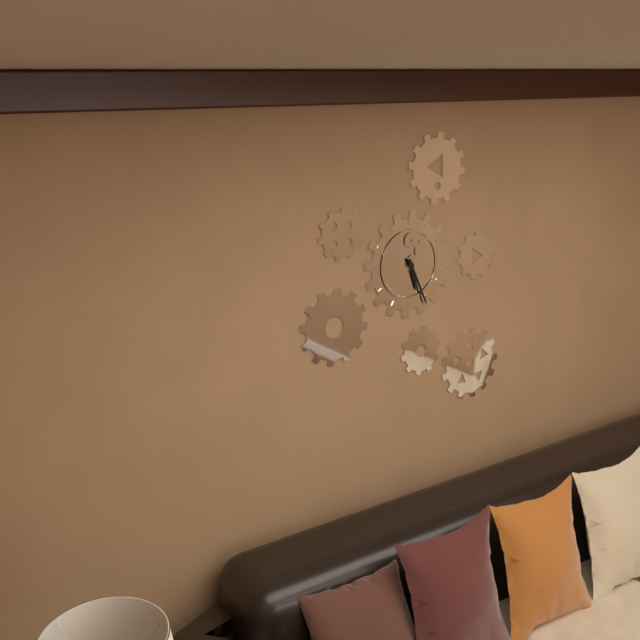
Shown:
5h26
